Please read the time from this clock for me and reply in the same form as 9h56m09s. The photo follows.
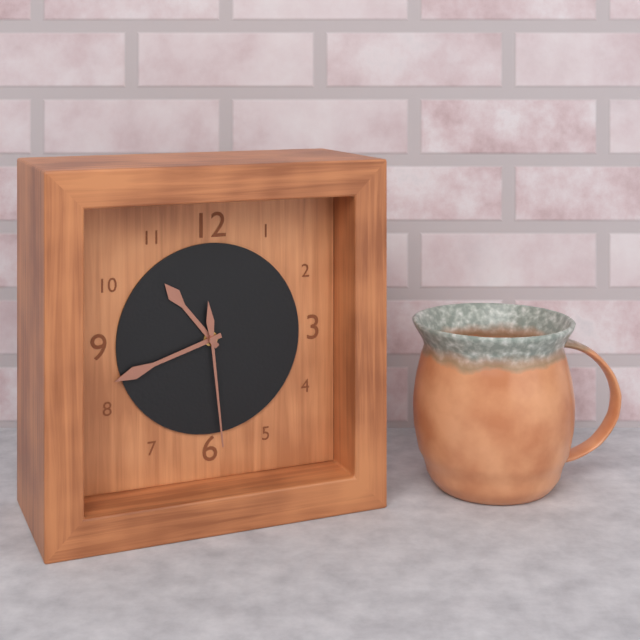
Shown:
10h42m29s
